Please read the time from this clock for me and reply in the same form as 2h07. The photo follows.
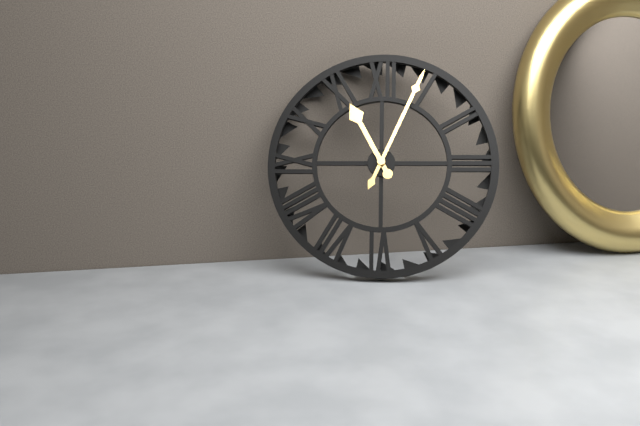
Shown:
11h04
